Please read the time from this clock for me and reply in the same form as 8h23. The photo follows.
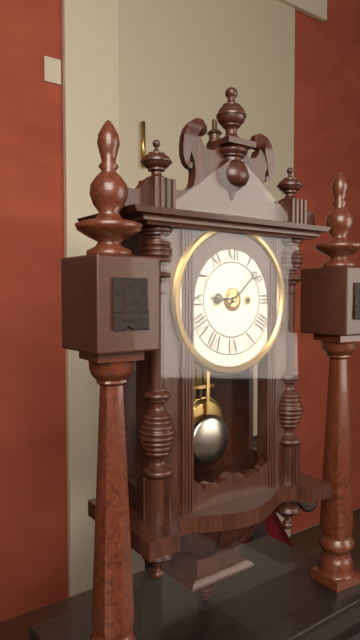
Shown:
9h08
